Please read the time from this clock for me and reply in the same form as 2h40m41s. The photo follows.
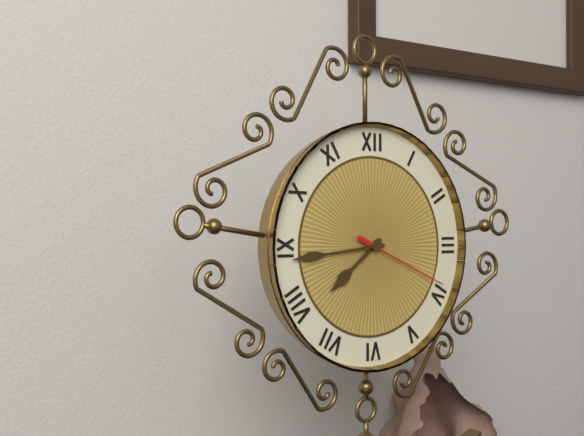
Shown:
7h44m19s
